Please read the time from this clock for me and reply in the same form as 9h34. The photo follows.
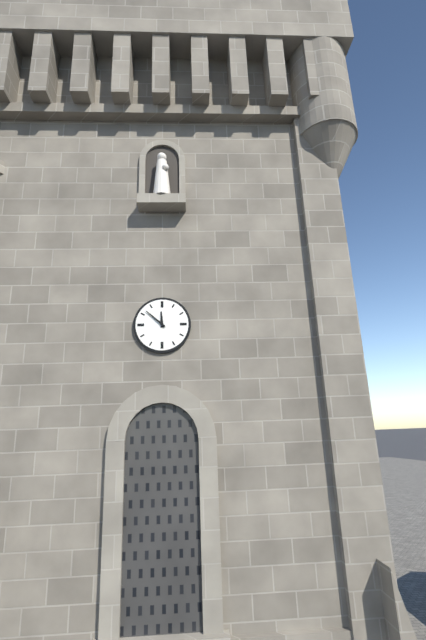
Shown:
11h52
